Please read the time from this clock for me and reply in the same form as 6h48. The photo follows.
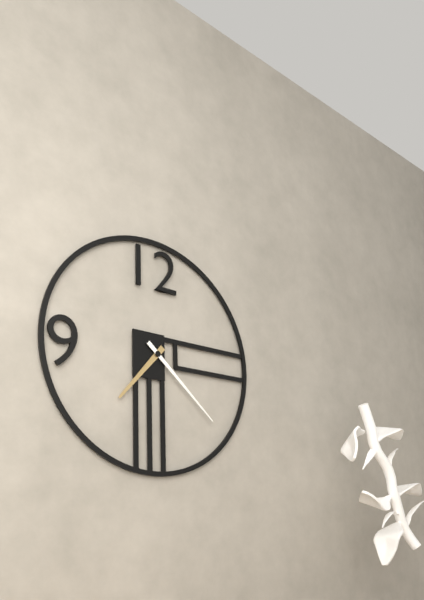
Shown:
7h22
